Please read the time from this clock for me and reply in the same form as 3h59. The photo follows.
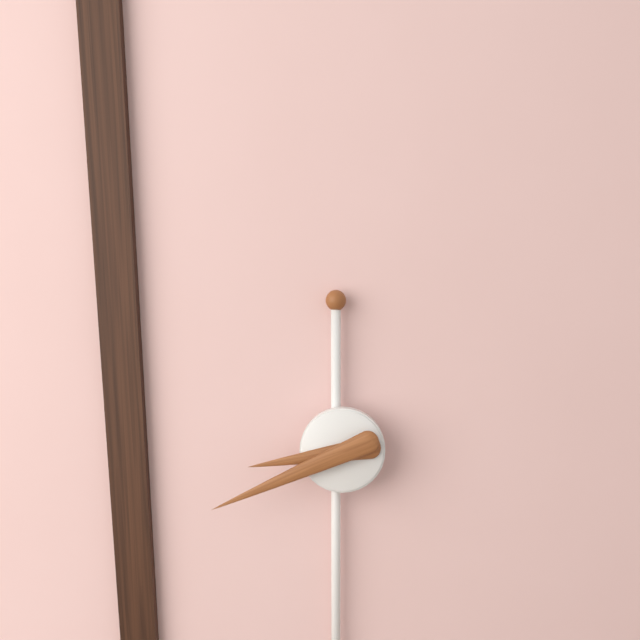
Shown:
8h41
